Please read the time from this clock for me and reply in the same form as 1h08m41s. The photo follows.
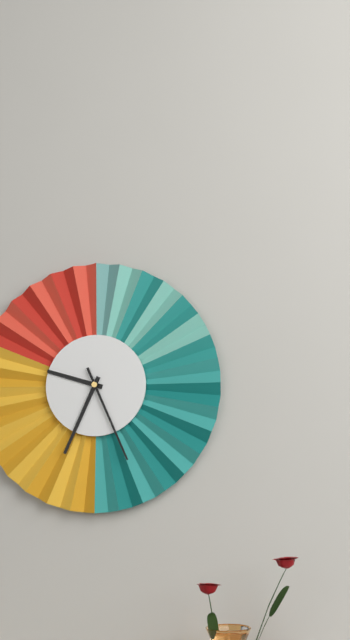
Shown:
9h34m26s
